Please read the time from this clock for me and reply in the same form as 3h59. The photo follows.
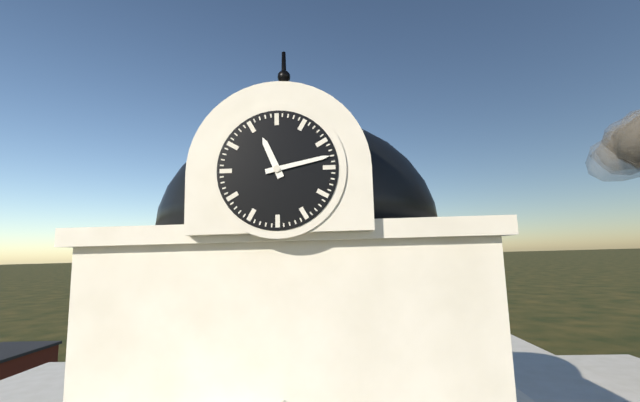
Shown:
11h13
